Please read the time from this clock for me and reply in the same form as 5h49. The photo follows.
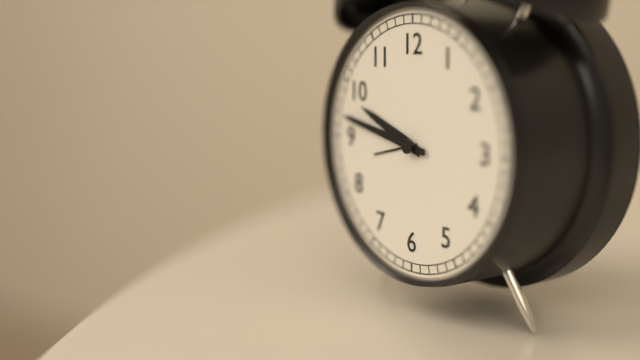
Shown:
9h47
